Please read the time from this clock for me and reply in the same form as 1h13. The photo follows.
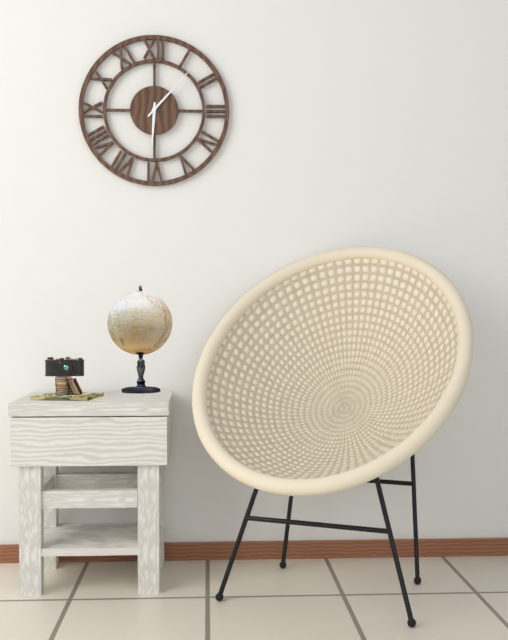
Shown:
6h07
